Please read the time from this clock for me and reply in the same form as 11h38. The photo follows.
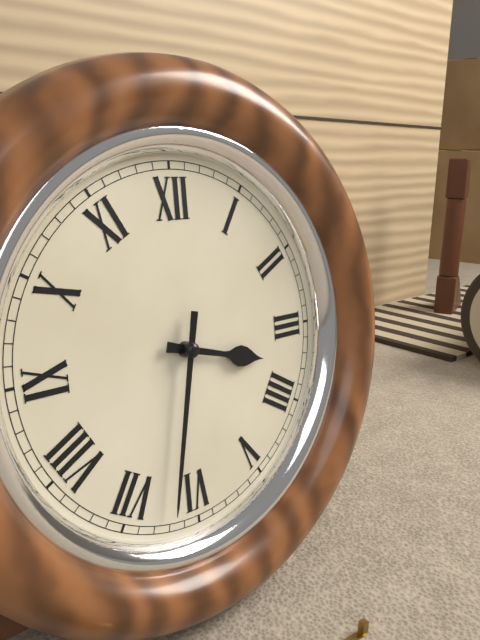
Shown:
3h32
